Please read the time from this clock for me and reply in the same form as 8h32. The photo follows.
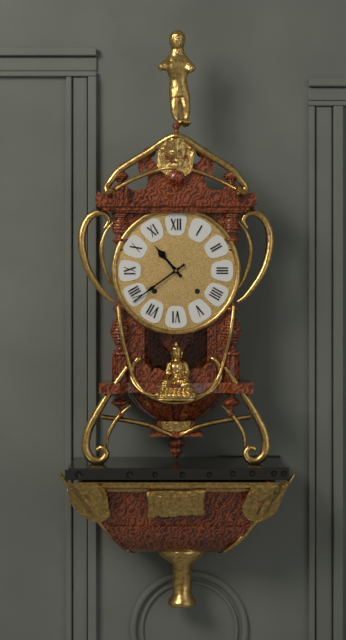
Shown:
10h39
